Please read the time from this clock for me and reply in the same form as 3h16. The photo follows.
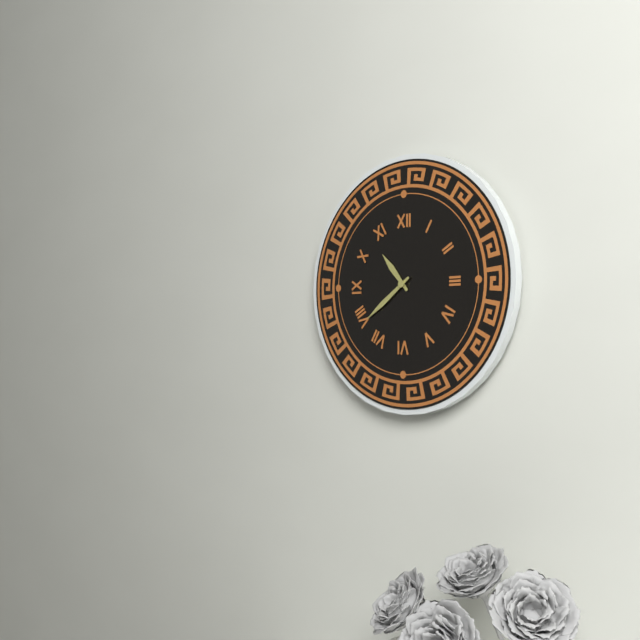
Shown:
10h39
